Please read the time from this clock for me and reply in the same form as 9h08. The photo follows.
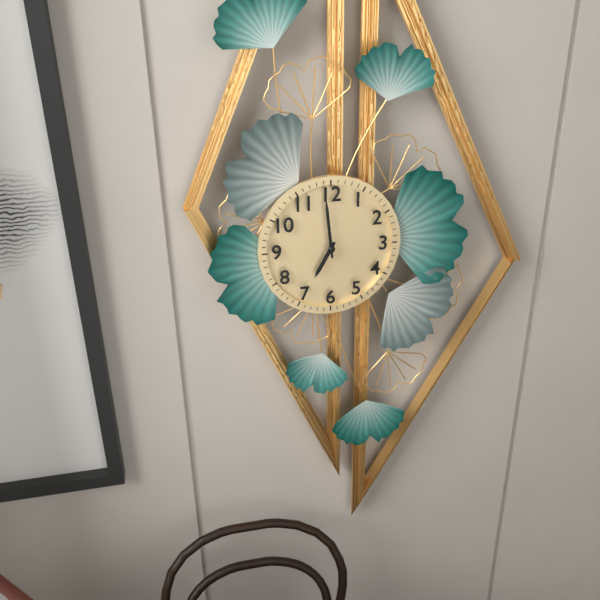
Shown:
6h59
